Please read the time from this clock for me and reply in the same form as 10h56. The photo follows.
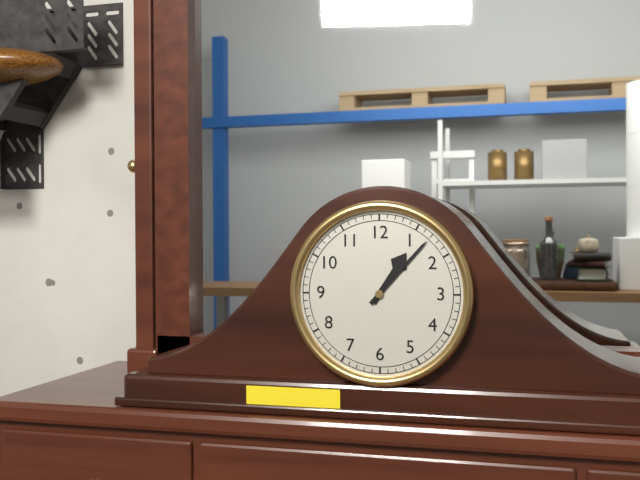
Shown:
1h07
